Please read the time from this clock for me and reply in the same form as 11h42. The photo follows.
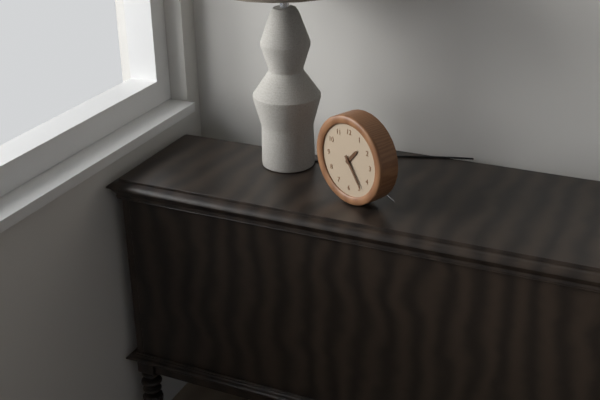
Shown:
1h24
